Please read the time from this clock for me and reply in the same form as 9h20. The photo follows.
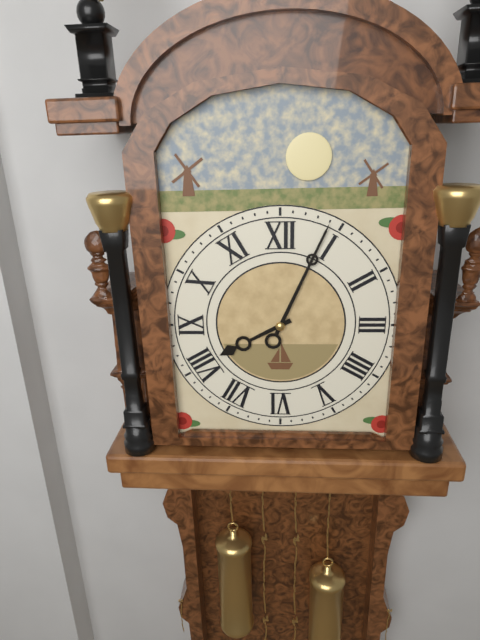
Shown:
8h04
